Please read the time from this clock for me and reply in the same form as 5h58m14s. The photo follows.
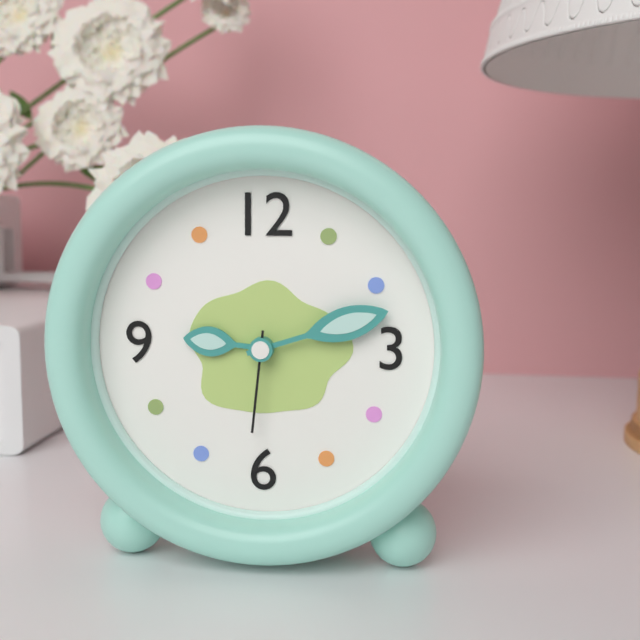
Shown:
9h12m31s
